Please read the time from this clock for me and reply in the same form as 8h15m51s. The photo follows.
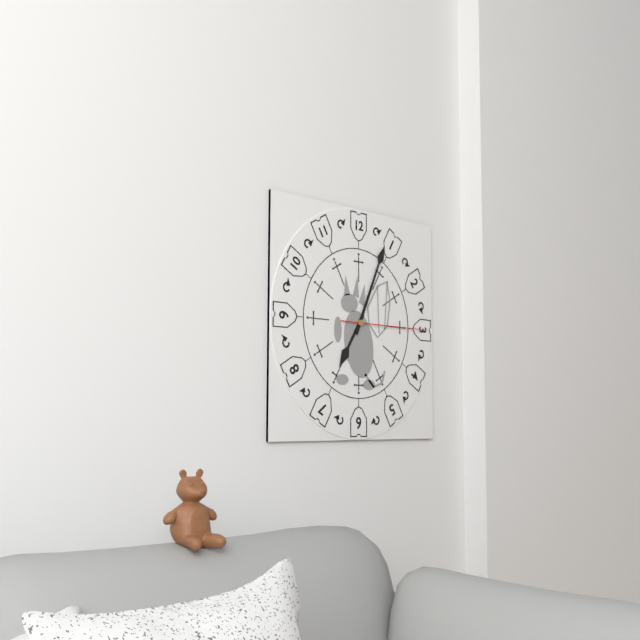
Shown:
7h04m15s
